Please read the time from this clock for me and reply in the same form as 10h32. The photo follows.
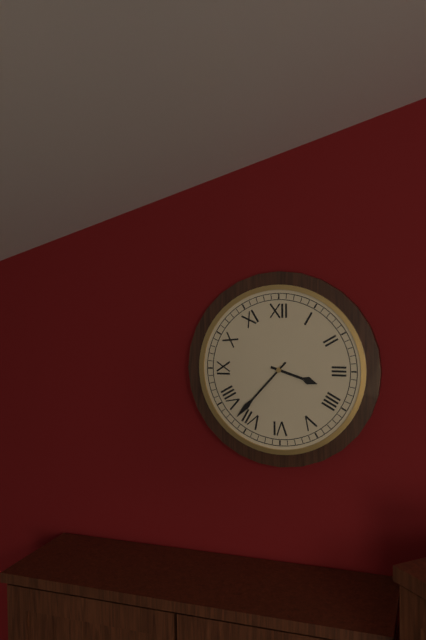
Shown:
3h37
